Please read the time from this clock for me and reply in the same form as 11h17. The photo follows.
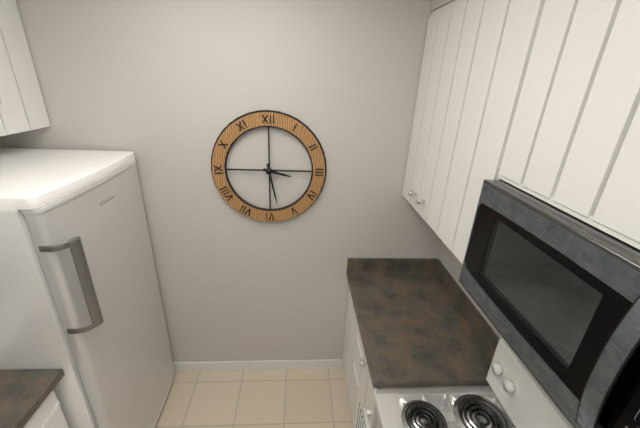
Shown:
3h28
